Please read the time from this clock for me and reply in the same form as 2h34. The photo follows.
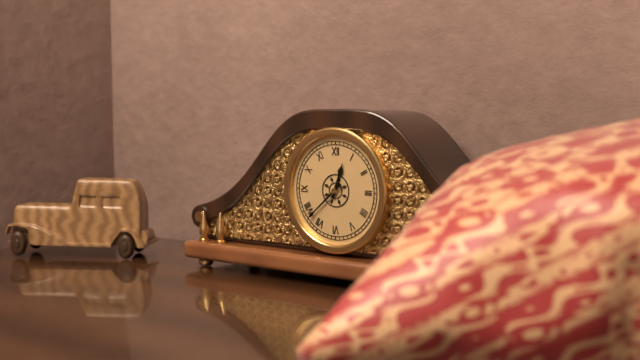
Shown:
12h38
